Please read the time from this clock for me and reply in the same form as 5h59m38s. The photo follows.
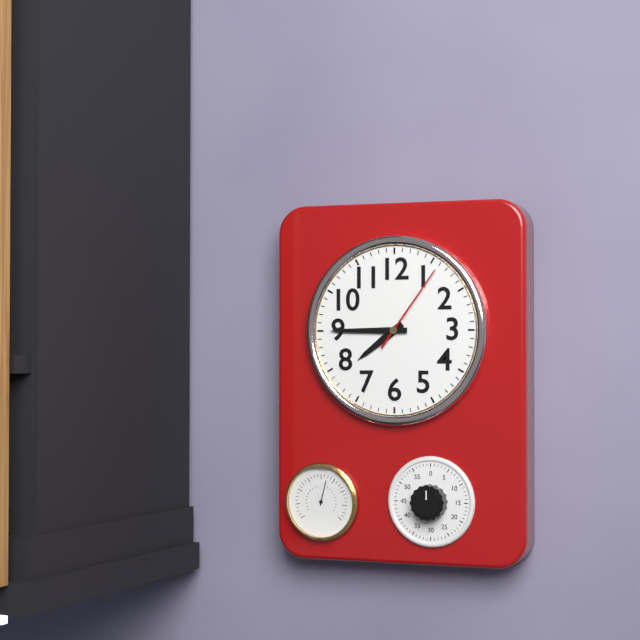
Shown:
7h45m06s
